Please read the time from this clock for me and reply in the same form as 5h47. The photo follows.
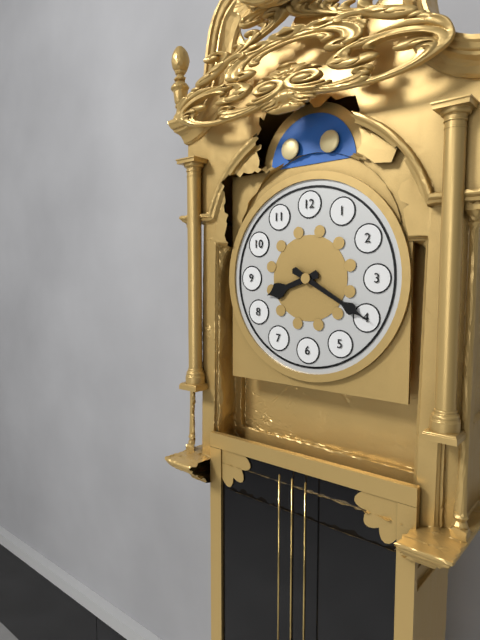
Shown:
8h20
